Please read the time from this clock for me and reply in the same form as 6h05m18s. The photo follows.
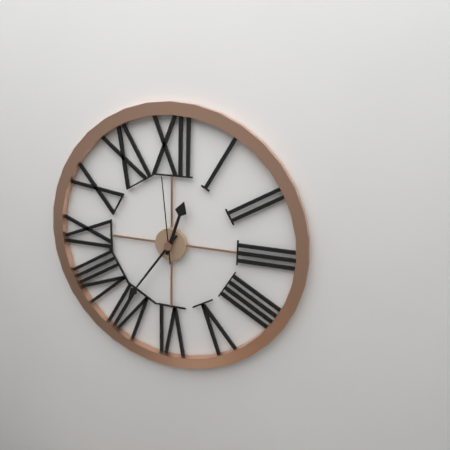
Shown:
12h36m59s
